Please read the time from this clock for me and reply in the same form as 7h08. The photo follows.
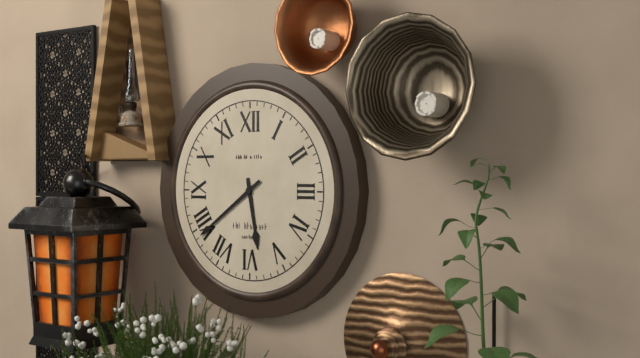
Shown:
5h39
